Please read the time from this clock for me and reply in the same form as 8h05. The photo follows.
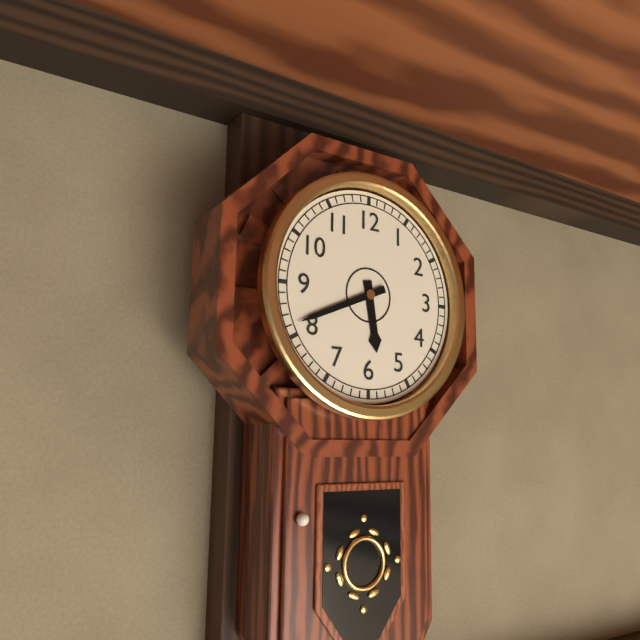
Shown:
5h41
